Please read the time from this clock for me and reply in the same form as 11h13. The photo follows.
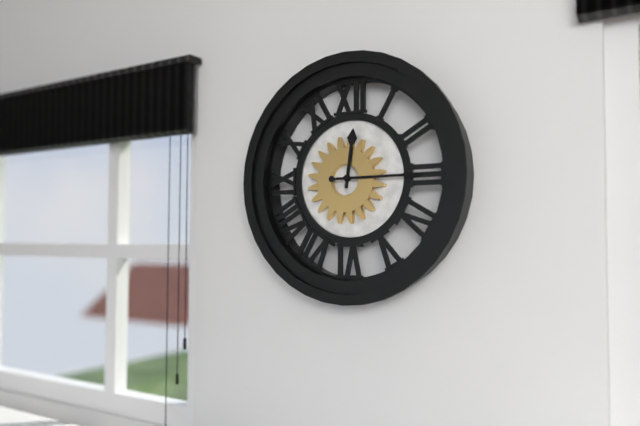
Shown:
12h15
